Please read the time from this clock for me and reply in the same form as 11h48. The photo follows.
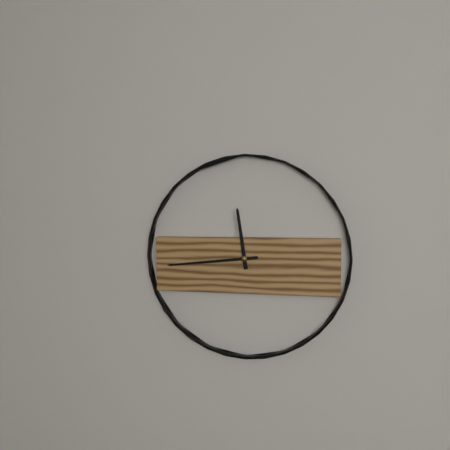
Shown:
11h44
